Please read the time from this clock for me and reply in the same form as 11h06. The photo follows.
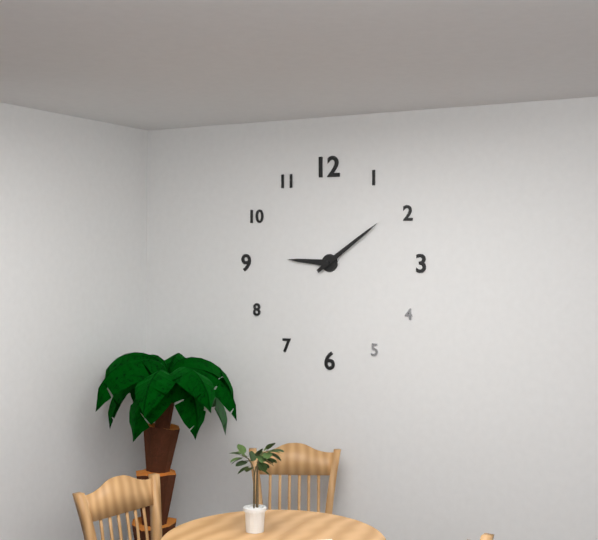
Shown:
9h09
